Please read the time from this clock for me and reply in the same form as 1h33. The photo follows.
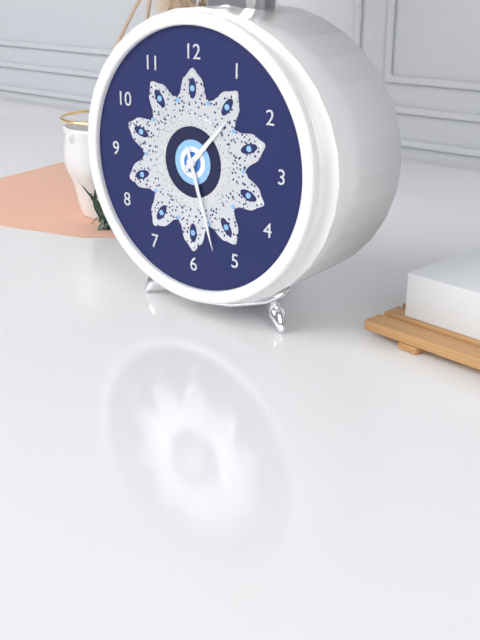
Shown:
1h27
